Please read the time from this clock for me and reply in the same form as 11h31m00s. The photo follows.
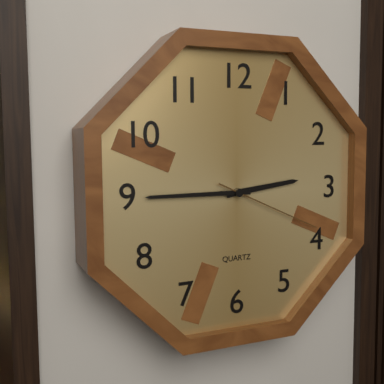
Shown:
2h45m19s
